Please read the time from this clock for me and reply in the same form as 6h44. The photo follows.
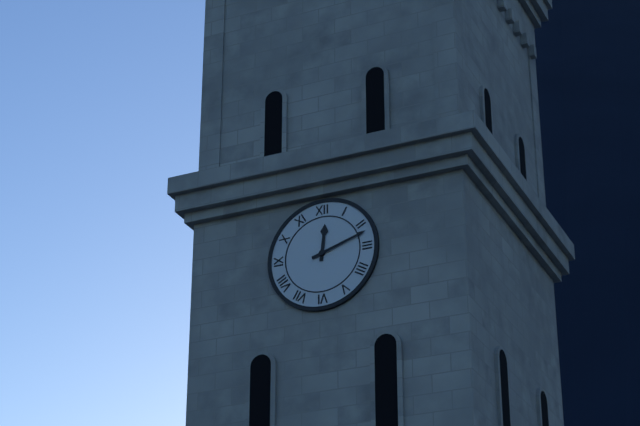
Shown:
12h12
